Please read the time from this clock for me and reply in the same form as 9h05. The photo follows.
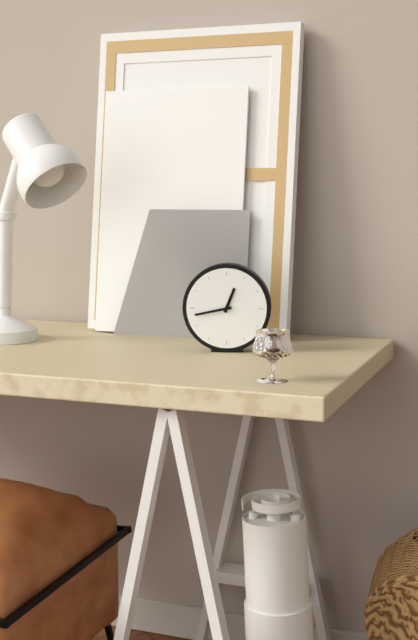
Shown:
12h43
